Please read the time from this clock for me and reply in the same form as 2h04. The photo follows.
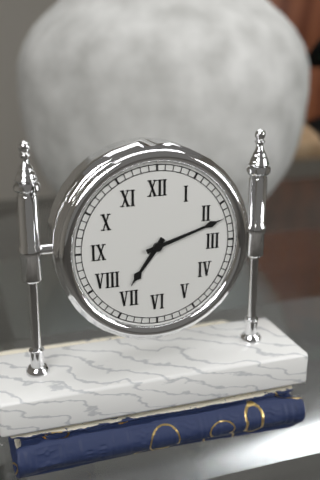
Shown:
7h12
